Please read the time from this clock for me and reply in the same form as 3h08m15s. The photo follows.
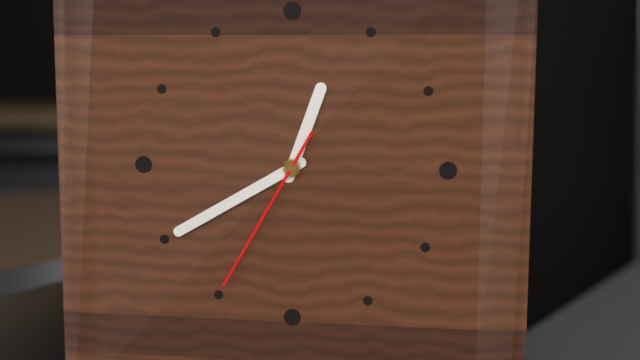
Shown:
12h40m35s
